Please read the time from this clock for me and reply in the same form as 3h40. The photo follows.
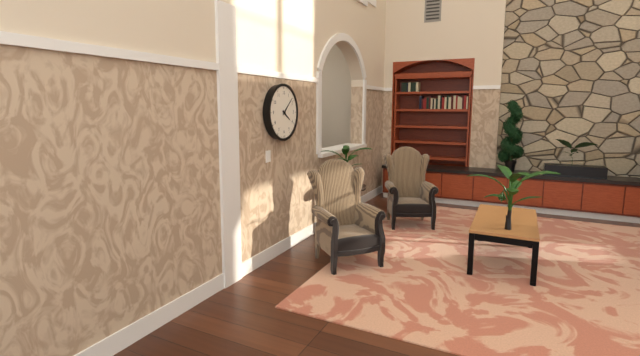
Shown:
4h08
